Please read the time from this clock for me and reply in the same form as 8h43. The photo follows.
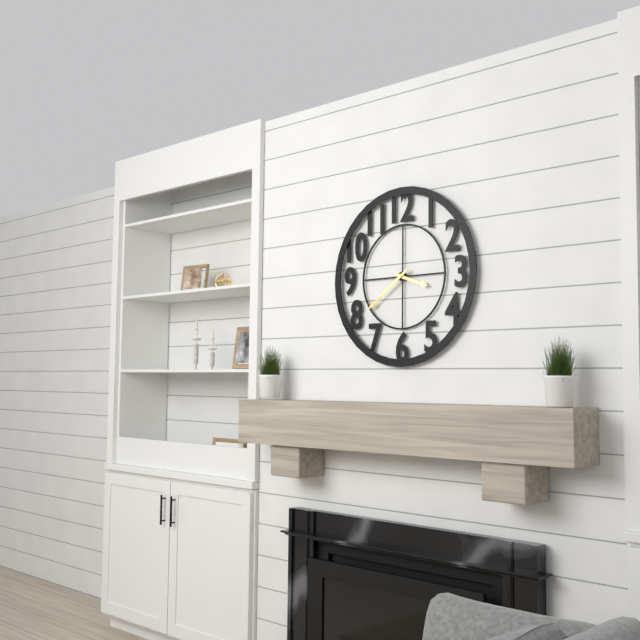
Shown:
3h39
